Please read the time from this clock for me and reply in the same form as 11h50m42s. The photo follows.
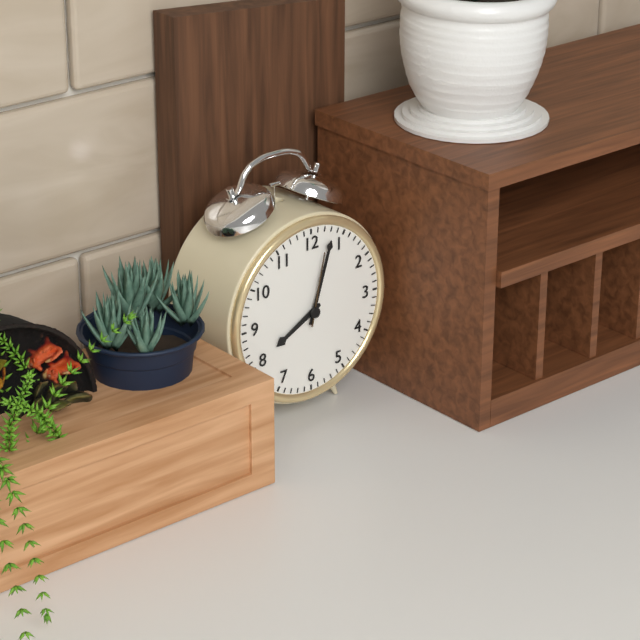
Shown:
8h03m02s
